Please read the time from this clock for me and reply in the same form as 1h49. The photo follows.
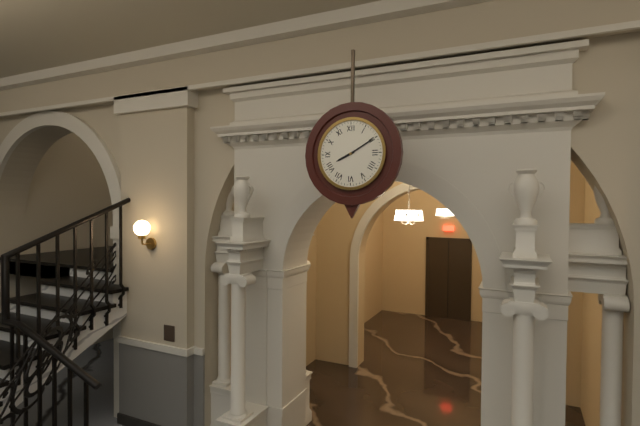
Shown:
8h10
